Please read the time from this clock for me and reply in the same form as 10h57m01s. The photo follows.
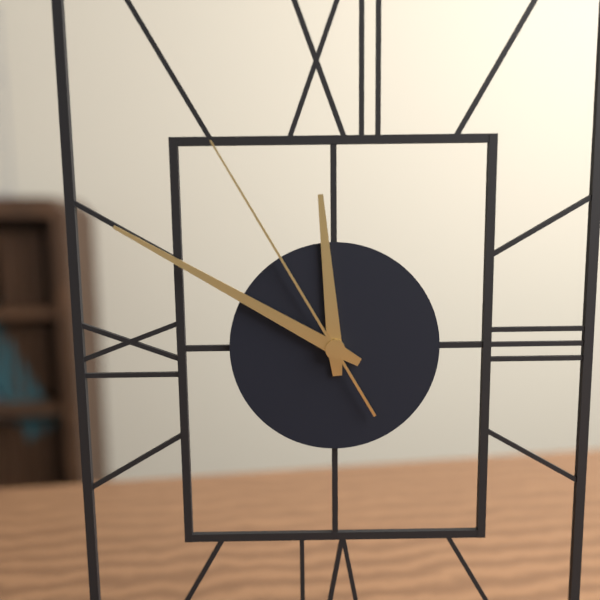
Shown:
11h50m55s
